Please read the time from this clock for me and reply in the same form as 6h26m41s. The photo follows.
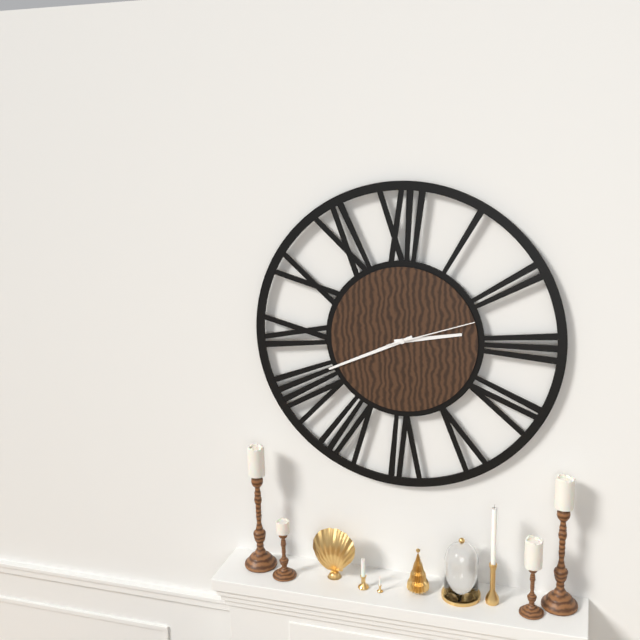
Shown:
2h41m12s
